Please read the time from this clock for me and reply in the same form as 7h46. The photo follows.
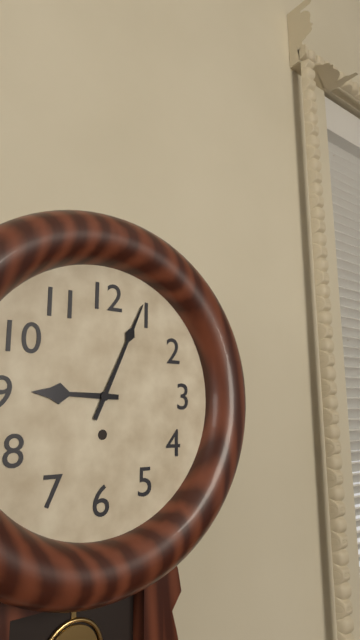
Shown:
9h04
